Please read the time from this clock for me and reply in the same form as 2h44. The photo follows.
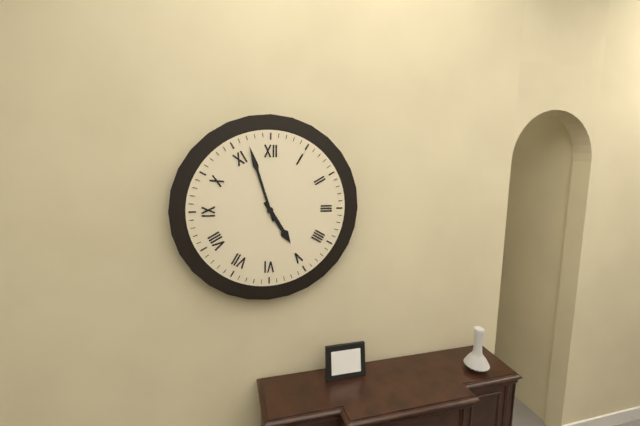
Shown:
4h57
